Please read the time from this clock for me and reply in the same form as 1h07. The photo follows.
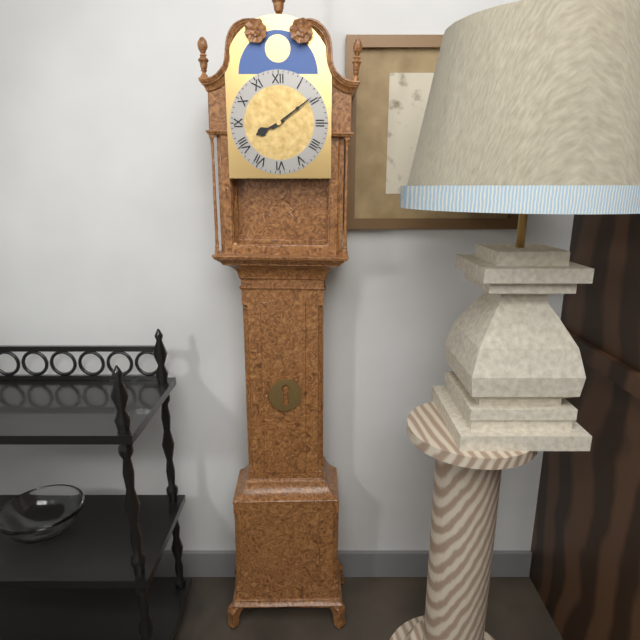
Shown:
8h09
